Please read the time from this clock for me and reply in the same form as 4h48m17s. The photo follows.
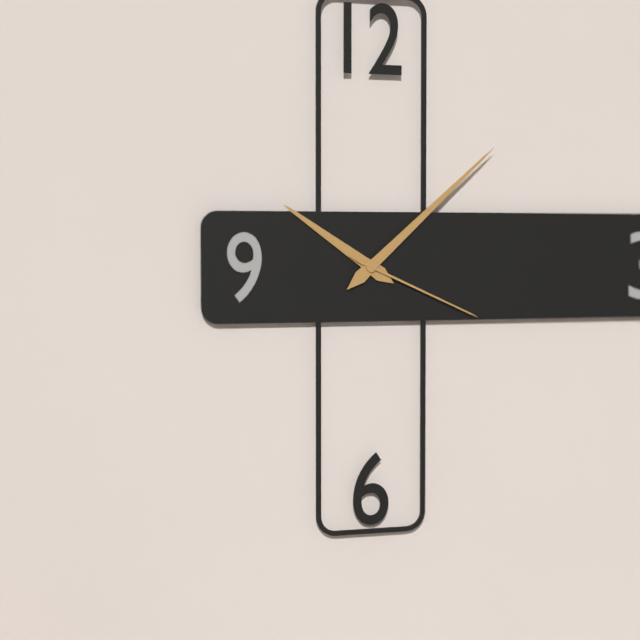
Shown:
10h08m19s
